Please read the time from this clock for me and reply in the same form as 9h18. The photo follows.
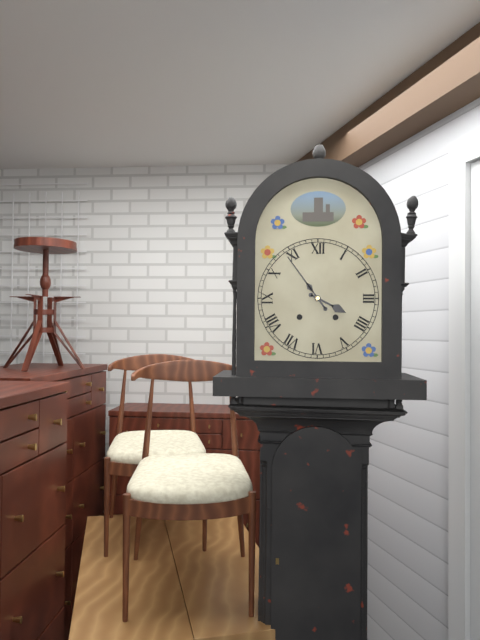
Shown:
3h54
